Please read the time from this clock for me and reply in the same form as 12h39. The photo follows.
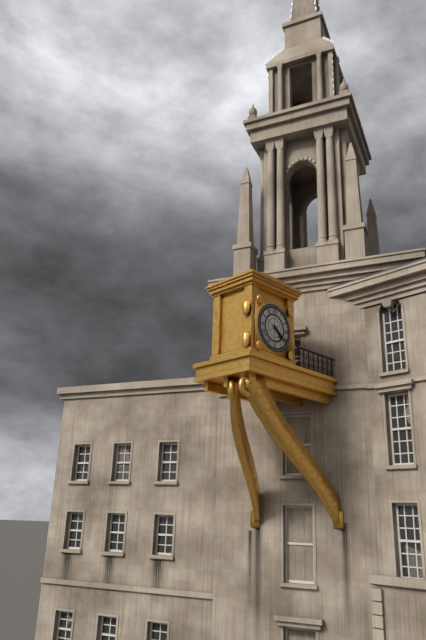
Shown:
4h21
